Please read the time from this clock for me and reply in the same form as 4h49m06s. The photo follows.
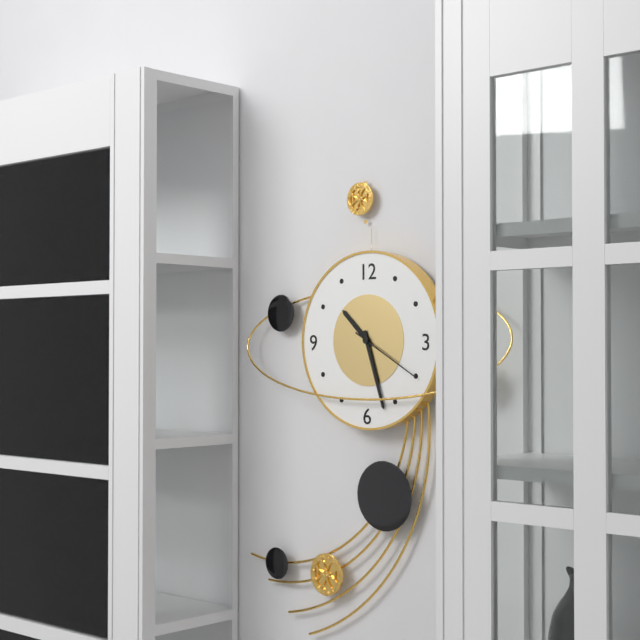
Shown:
10h27m20s
